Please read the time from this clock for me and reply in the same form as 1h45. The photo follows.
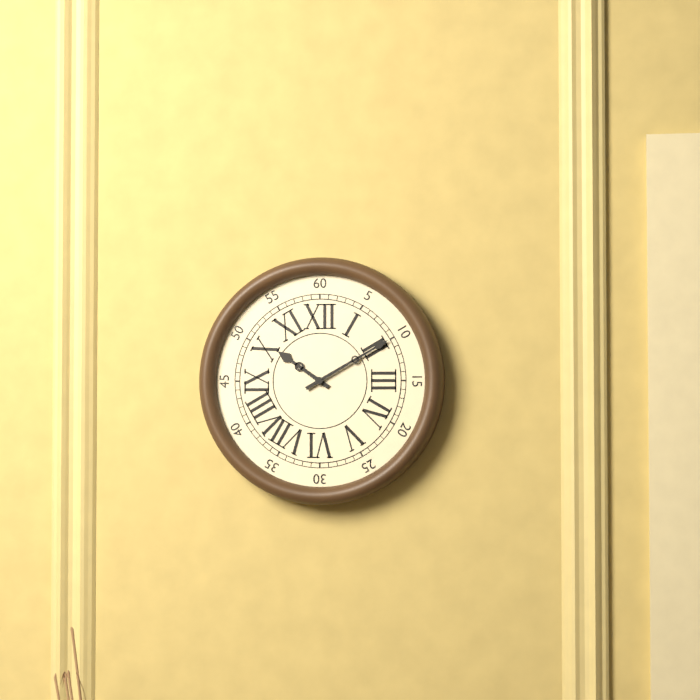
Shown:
10h10
